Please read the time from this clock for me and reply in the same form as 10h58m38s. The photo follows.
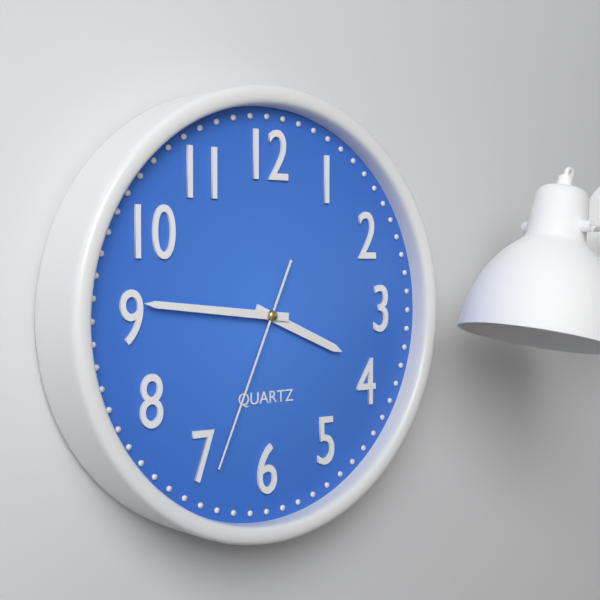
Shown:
3h46m34s
